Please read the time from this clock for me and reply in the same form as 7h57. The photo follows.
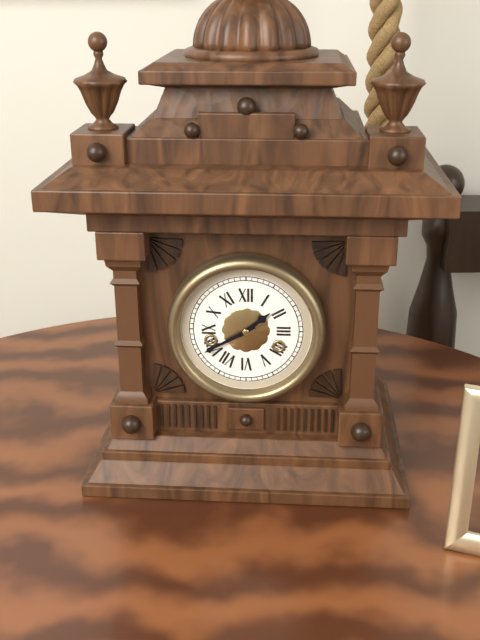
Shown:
1h40
